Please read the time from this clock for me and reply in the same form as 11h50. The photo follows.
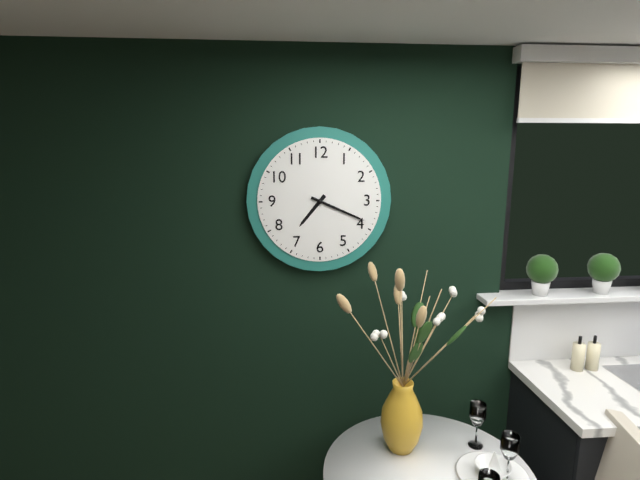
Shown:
7h19
